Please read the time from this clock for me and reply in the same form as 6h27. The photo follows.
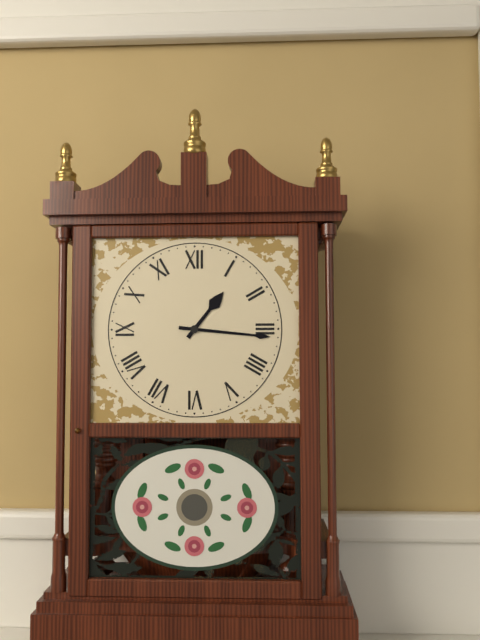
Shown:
1h16
